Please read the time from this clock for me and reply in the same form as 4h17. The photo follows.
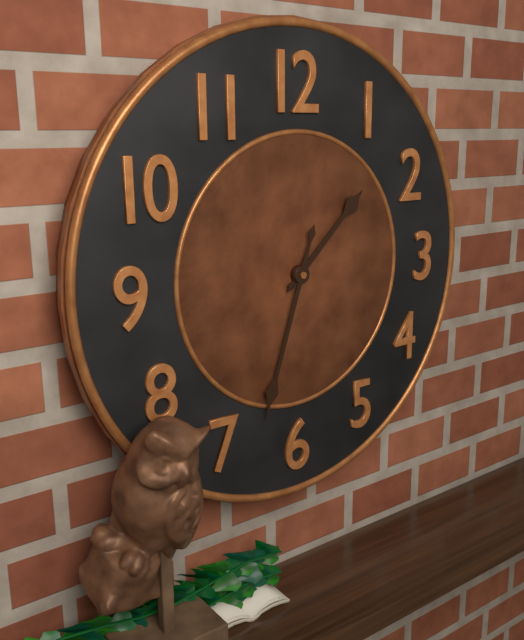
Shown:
1h33
